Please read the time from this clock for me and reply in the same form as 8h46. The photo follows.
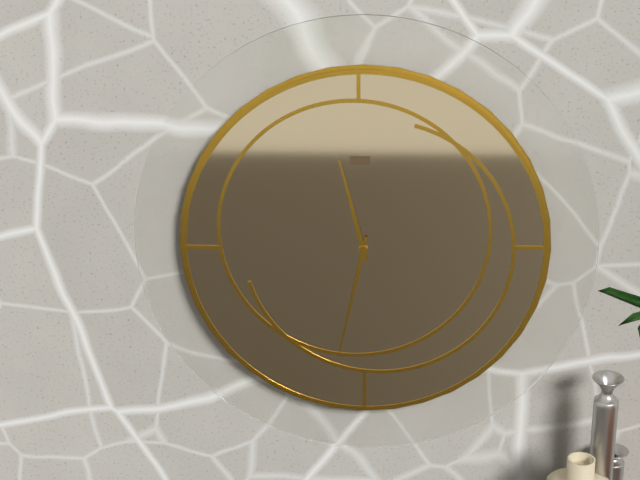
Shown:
11h32
